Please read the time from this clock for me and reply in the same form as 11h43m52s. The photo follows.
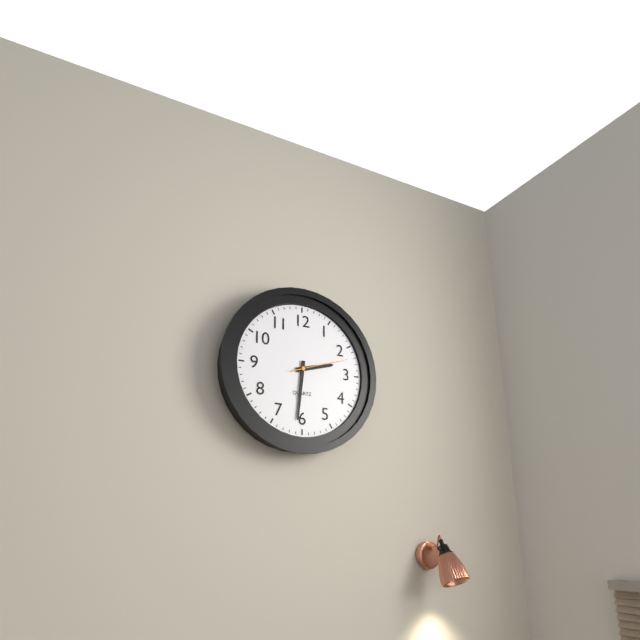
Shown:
2h31m12s
